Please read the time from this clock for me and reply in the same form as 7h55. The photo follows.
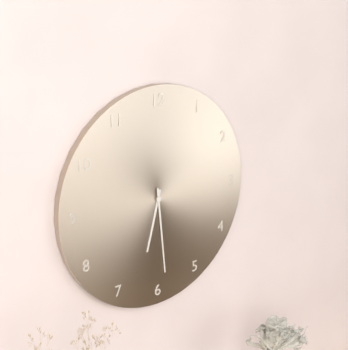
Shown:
6h29
